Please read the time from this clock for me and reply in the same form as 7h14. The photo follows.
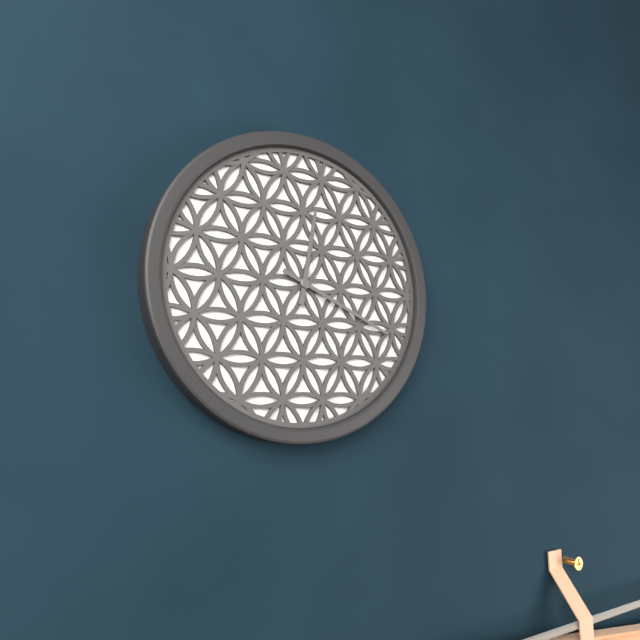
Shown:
12h19
